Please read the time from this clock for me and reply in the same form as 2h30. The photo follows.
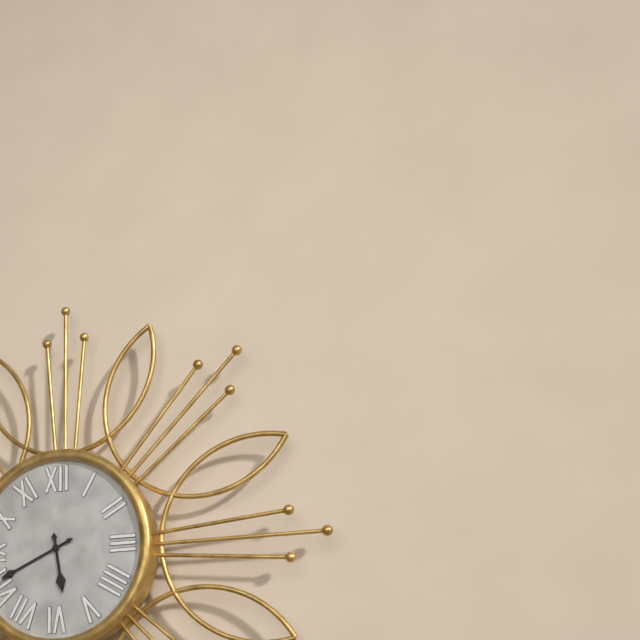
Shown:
5h41
